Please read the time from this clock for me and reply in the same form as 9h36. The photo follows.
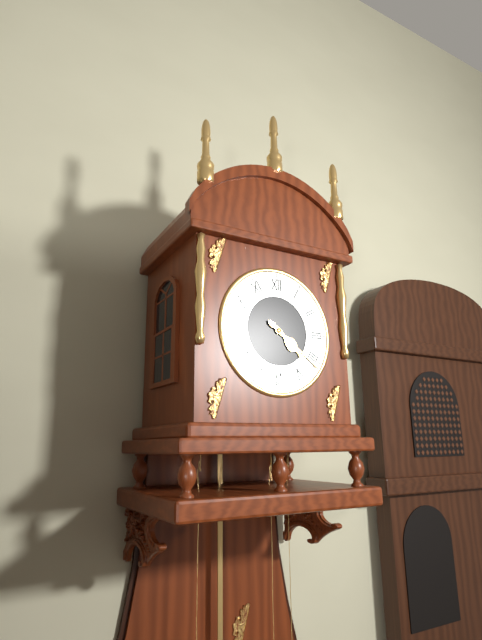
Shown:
4h21
